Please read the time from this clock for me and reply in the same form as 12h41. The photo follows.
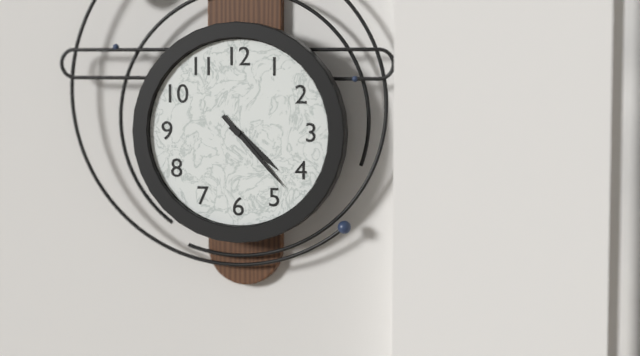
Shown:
4h23
